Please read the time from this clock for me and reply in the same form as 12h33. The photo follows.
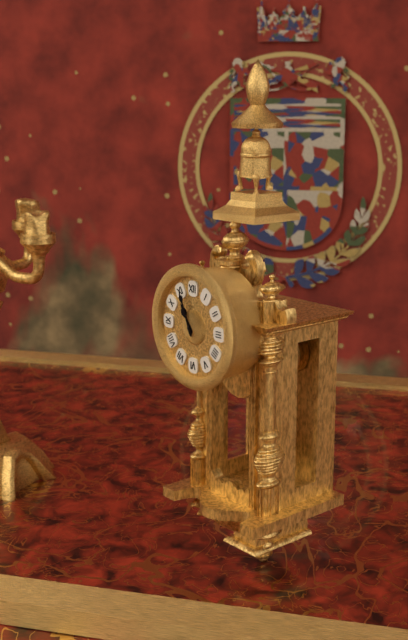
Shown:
10h56
